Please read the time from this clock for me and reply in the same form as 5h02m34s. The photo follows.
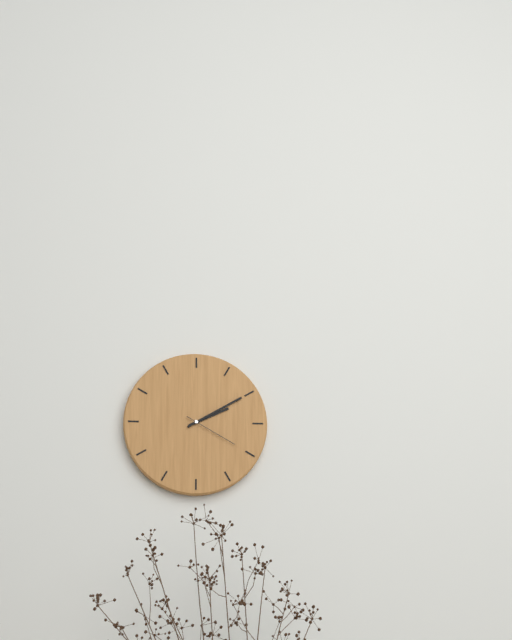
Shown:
2h10m20s
